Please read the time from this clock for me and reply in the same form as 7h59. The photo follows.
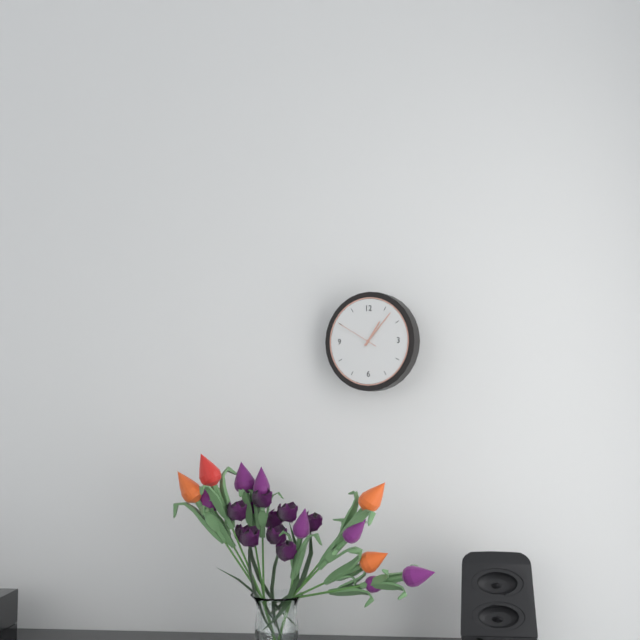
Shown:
1h07
